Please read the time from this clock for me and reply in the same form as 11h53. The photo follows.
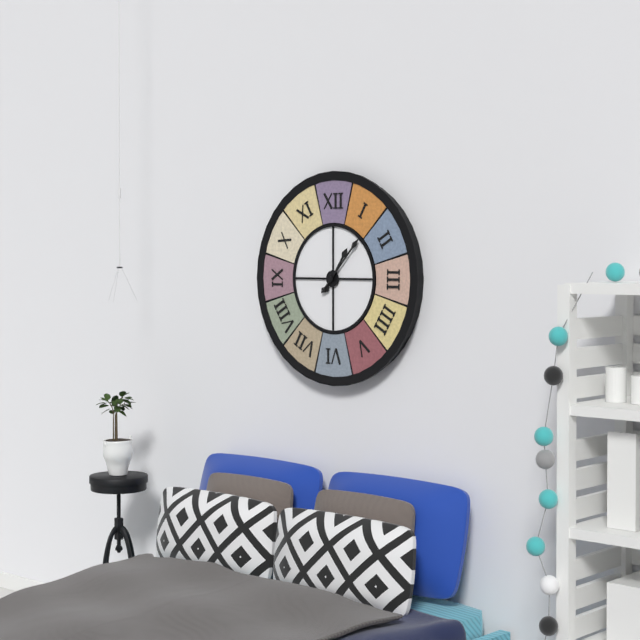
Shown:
1h07
